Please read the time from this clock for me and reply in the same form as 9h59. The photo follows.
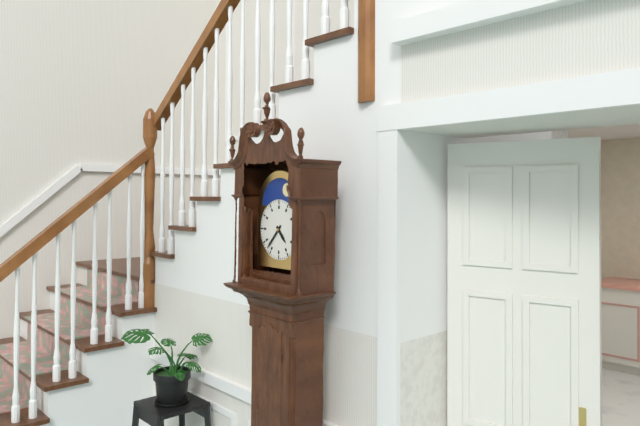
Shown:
4h37
